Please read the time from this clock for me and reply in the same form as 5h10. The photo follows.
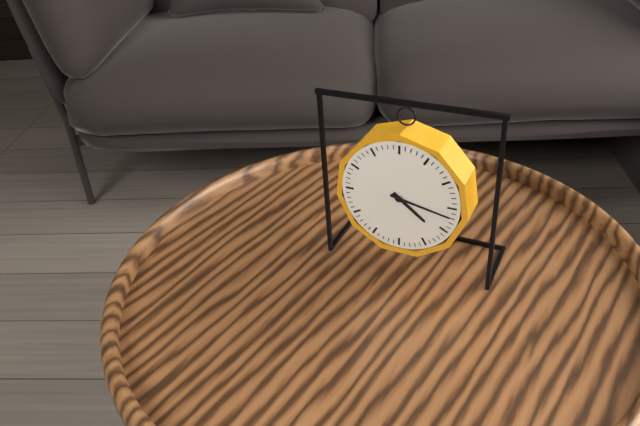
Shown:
4h17
